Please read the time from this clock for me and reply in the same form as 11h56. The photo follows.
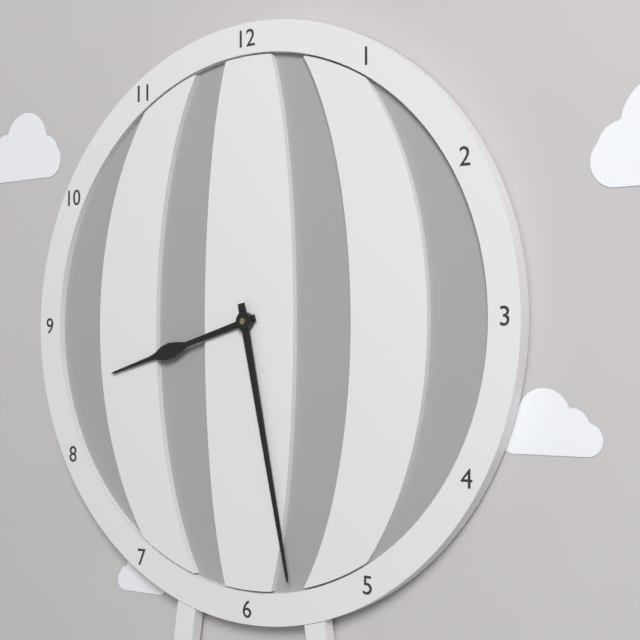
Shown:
8h28
